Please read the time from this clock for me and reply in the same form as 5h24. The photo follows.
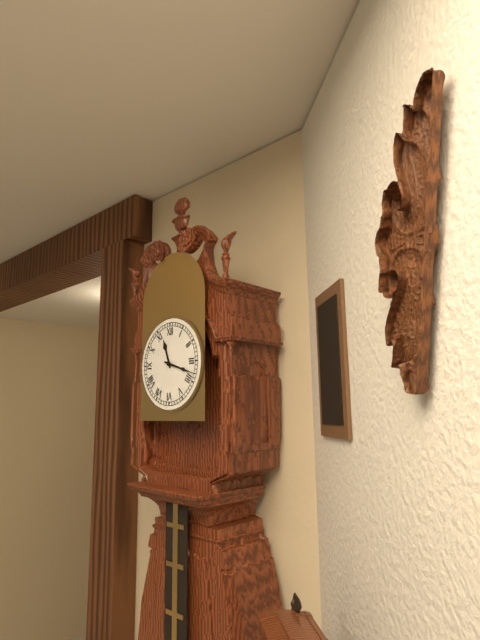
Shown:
11h18
